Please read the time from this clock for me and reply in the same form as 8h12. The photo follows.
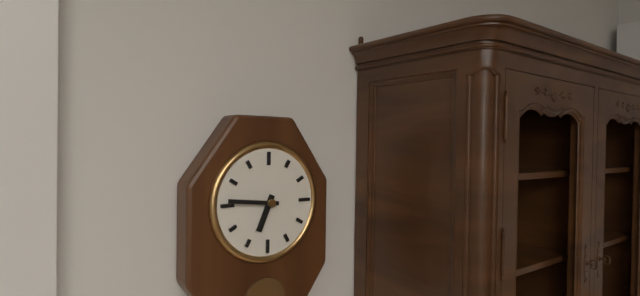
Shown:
6h46
